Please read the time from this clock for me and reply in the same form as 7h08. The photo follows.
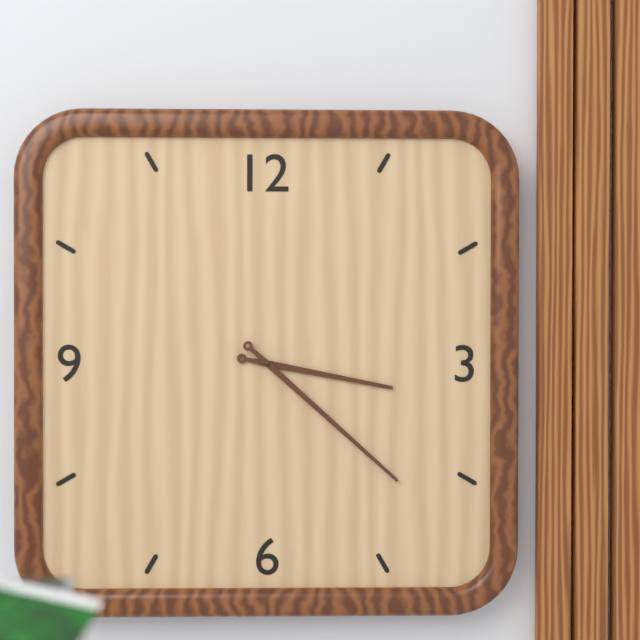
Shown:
3h22
